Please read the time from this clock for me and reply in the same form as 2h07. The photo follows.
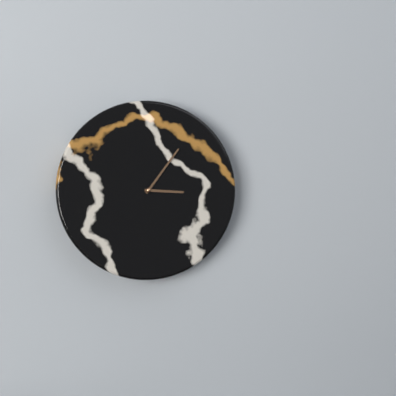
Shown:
3h06
